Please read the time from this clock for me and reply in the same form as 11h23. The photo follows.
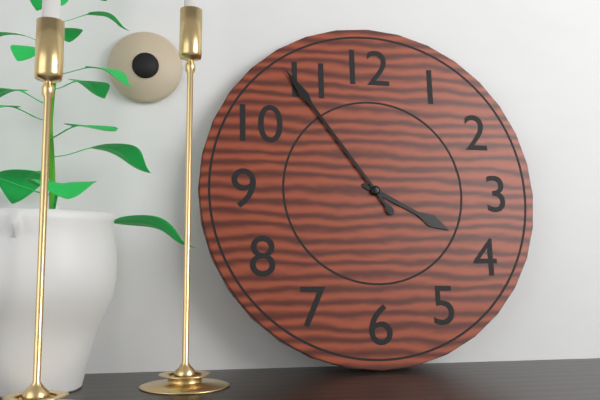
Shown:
3h54
